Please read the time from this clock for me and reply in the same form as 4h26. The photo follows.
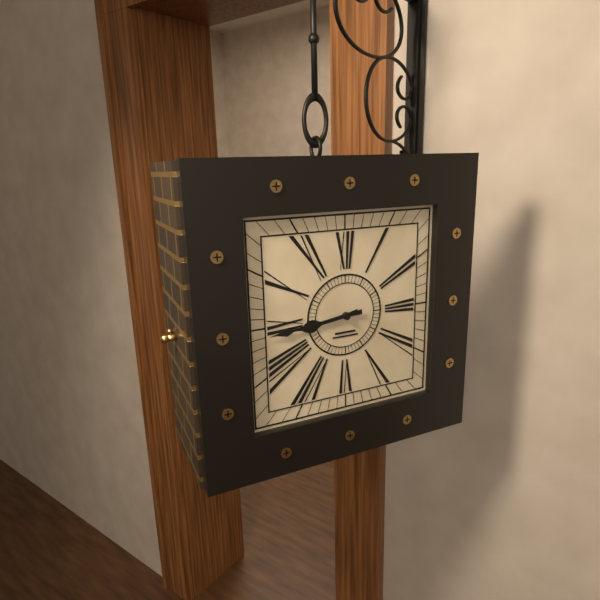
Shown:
8h44
